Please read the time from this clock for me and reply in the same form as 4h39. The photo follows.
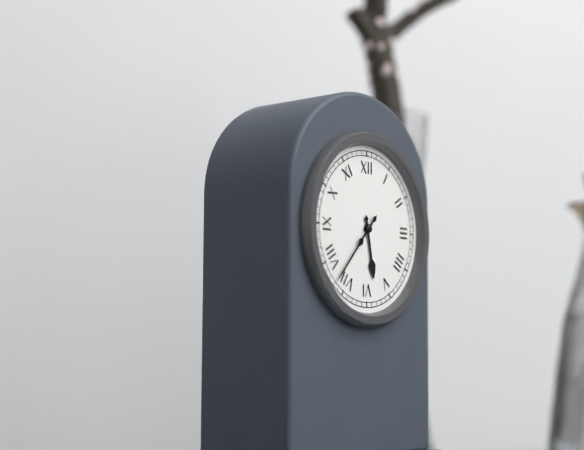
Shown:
5h37
